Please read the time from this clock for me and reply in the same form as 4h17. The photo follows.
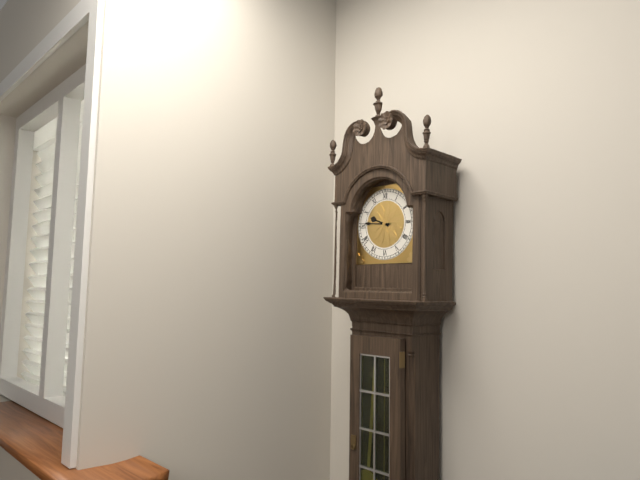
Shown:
9h46
